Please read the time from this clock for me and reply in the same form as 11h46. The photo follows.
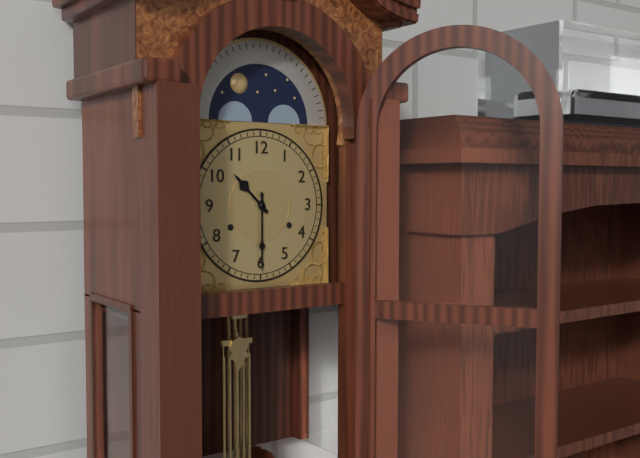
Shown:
10h30
